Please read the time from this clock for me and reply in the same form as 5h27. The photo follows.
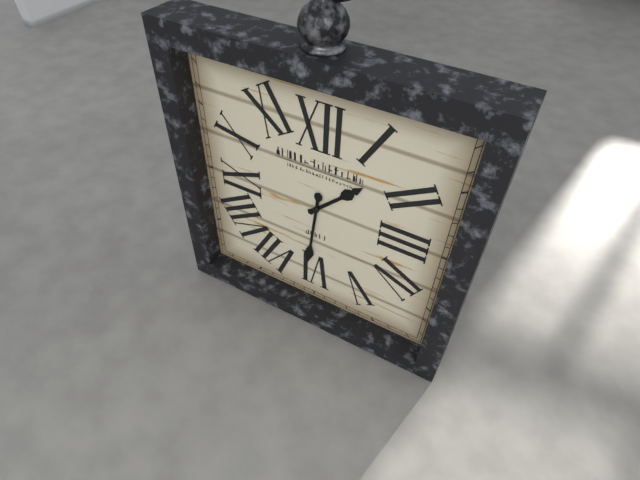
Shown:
1h31
